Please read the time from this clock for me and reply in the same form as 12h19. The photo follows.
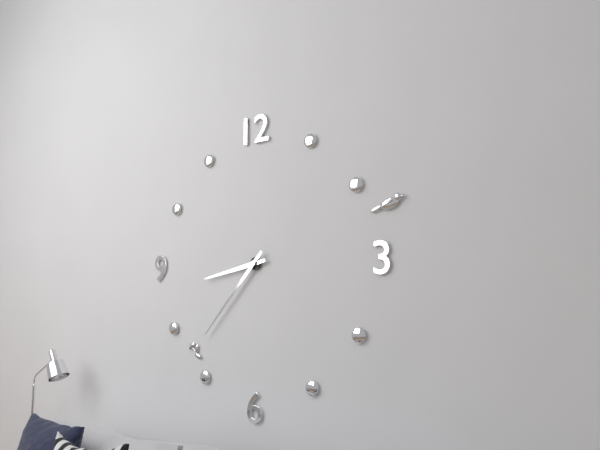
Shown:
8h37
